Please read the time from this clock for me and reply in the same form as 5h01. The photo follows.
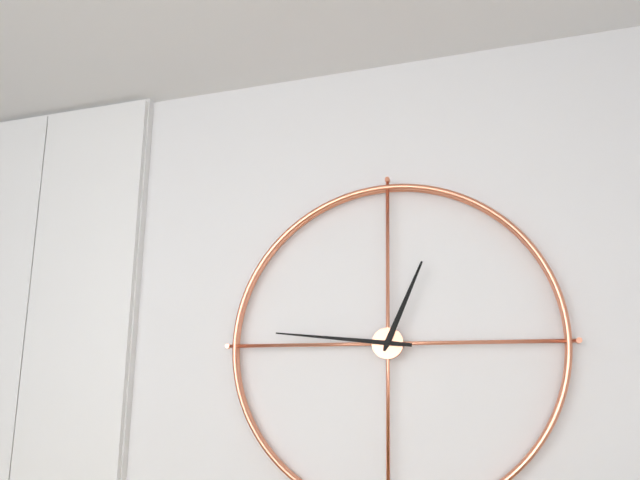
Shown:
12h46
